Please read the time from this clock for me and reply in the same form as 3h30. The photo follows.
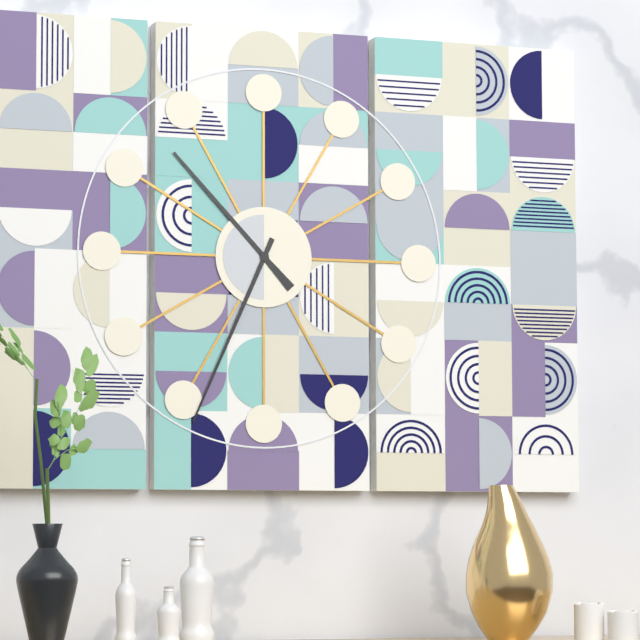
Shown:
10h34
